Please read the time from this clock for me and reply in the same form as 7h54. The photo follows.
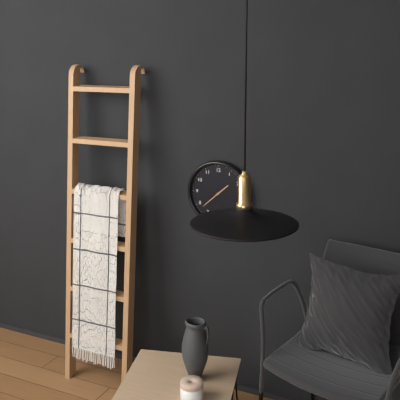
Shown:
1h38
